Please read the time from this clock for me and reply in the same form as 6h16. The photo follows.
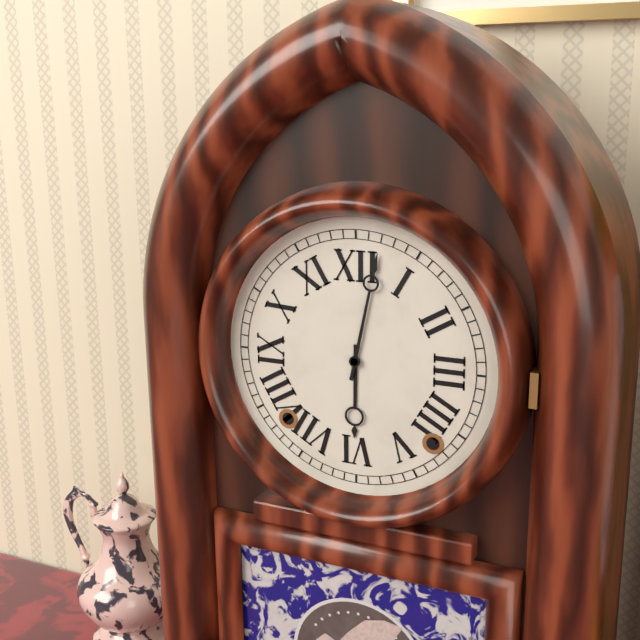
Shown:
6h02
